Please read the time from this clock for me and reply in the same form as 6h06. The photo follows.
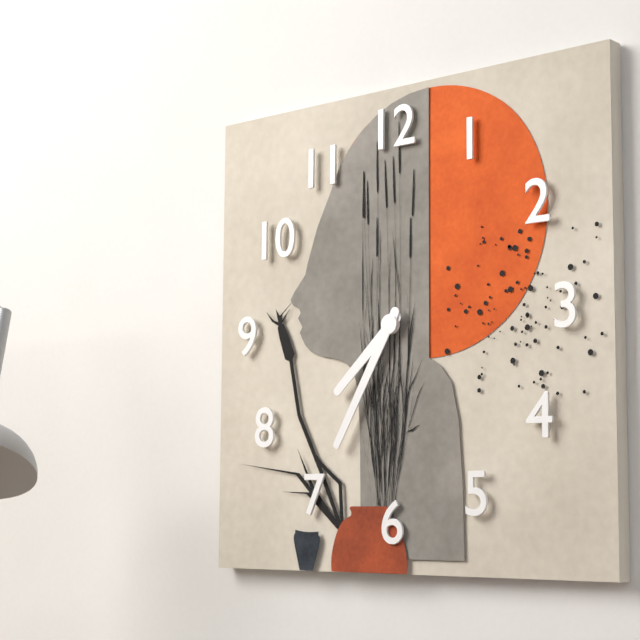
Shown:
7h35
